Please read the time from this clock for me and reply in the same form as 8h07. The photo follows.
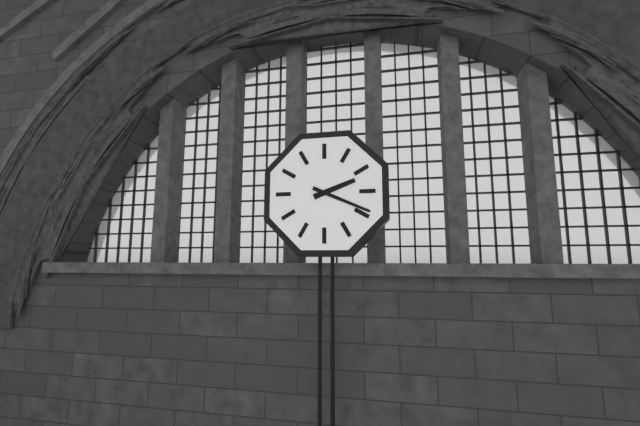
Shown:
2h19
